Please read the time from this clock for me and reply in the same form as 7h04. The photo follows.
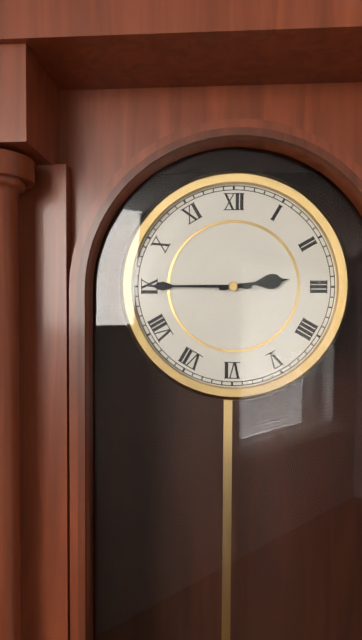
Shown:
2h45
